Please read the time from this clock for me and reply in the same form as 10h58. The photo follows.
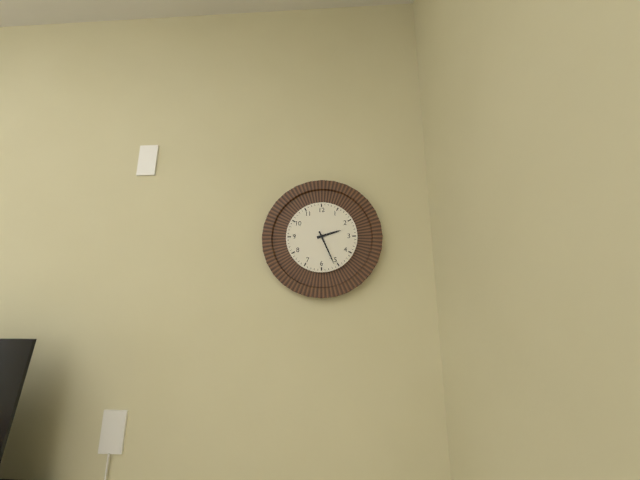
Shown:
2h26
